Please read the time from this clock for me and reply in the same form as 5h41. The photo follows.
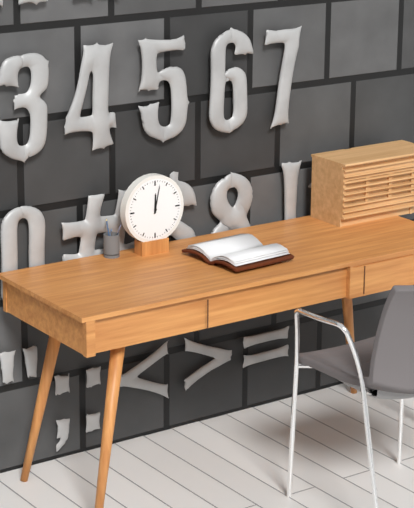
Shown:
12h02
